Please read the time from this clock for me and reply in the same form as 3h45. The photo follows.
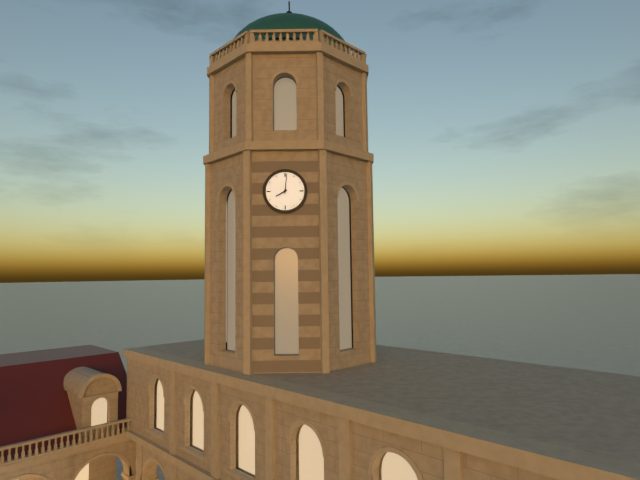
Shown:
8h01
